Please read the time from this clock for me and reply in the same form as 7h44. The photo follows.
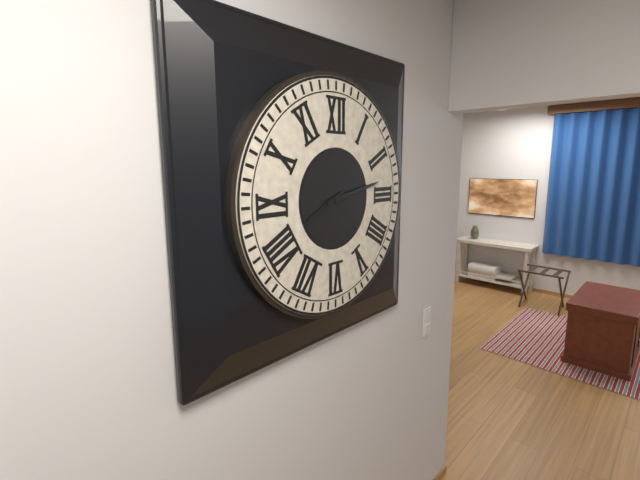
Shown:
8h13
